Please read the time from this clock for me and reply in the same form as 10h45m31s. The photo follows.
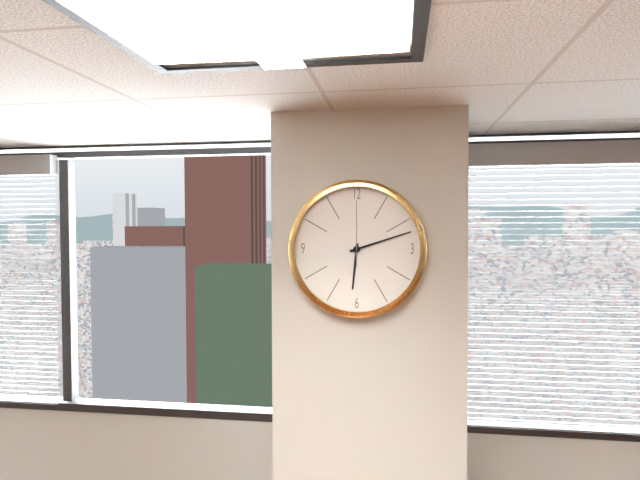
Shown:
6h12m00s
